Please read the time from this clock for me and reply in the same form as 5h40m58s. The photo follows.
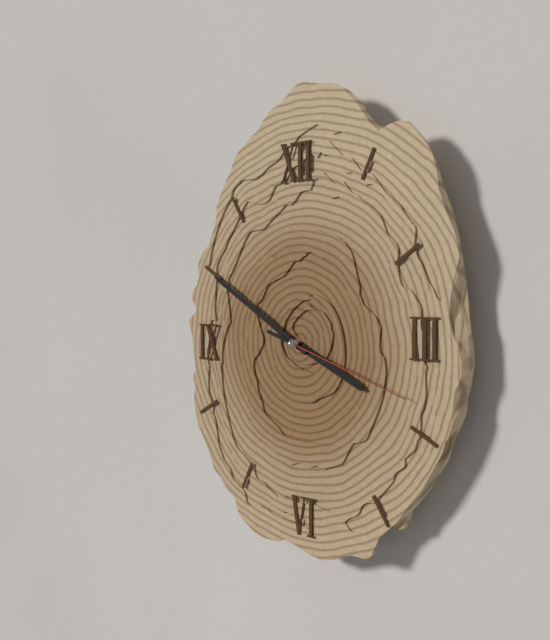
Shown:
3h50m18s
